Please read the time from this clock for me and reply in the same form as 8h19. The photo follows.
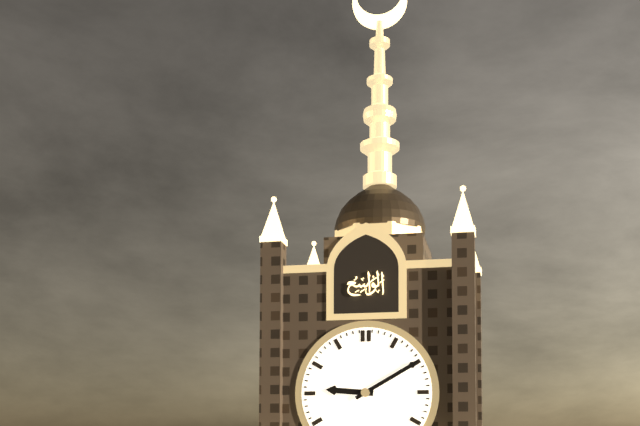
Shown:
9h10
